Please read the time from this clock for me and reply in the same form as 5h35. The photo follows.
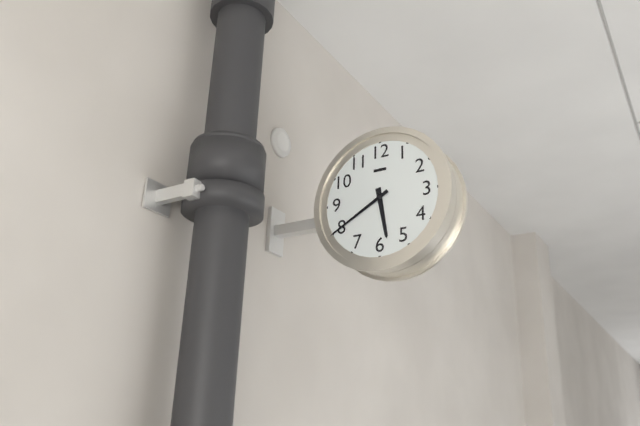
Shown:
5h40
